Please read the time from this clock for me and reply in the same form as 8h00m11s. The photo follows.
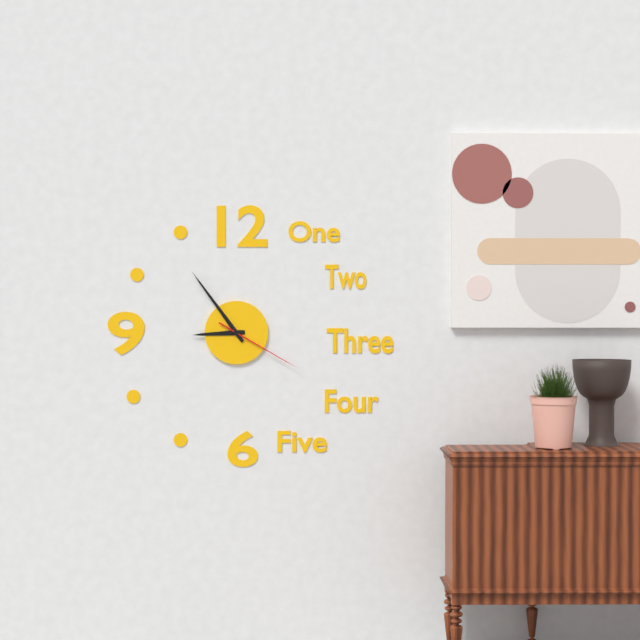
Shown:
8h54m20s
